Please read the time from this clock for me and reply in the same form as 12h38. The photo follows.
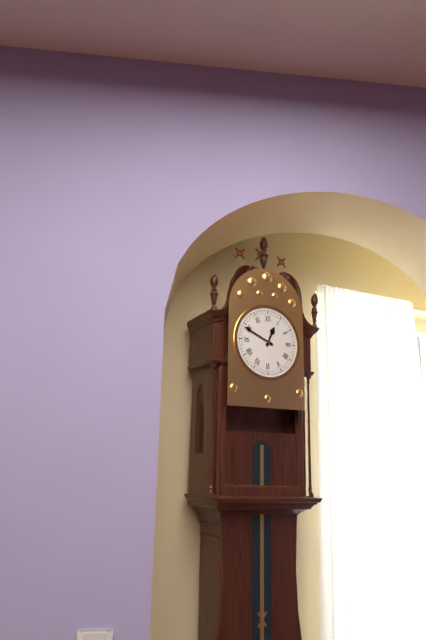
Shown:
12h49
